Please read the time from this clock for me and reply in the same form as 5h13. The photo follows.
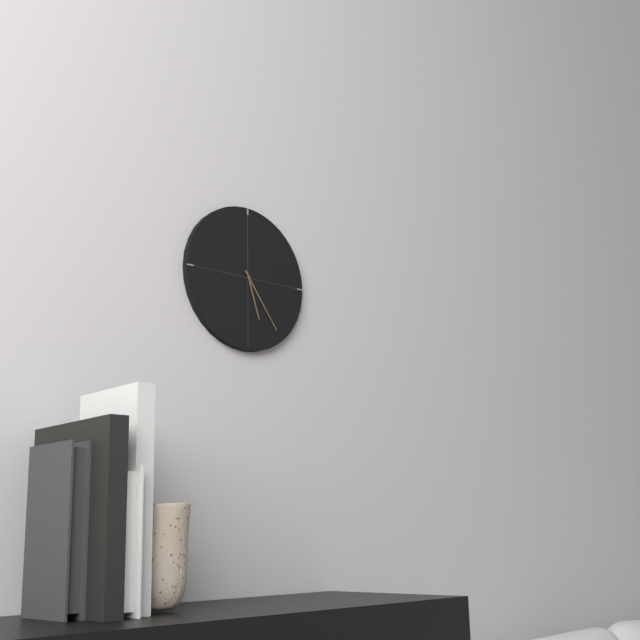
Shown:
5h24
